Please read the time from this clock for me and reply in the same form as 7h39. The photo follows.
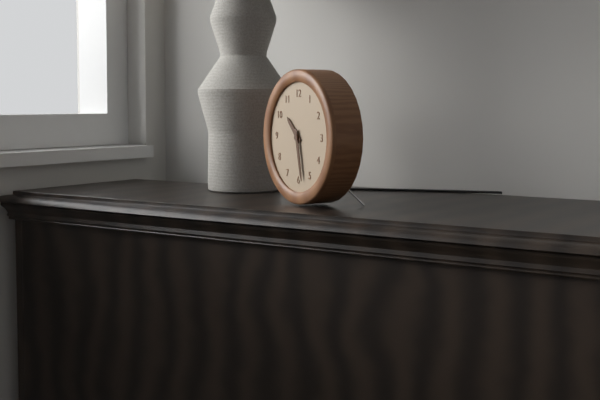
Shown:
10h28
